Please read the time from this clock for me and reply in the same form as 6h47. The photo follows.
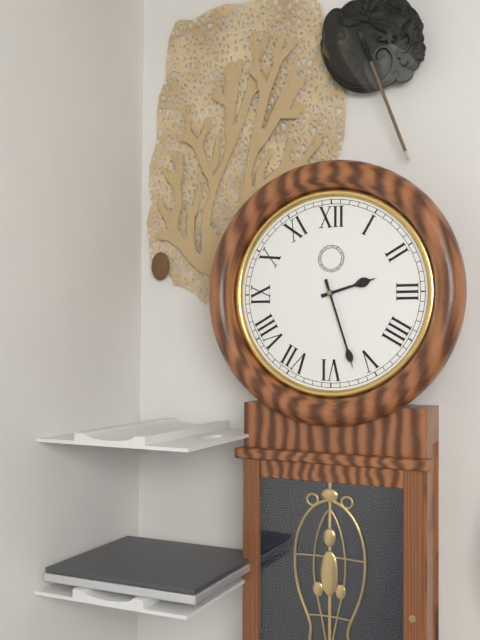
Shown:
2h27
